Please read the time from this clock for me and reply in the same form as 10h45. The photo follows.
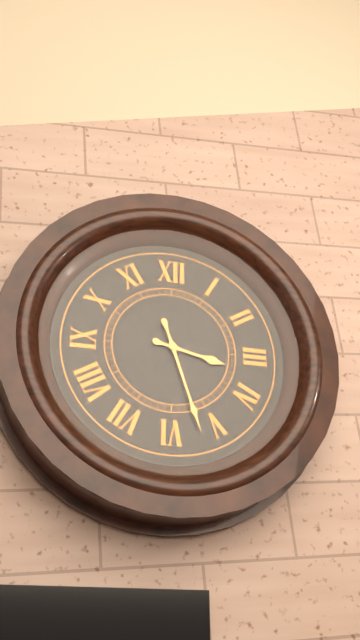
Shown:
3h27
